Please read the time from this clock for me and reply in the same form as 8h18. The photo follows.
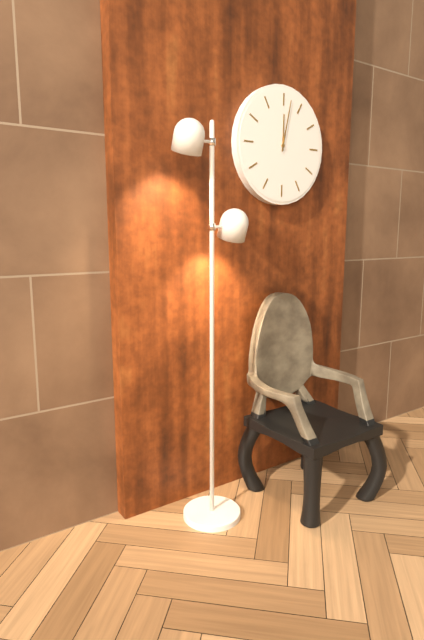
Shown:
12h02
